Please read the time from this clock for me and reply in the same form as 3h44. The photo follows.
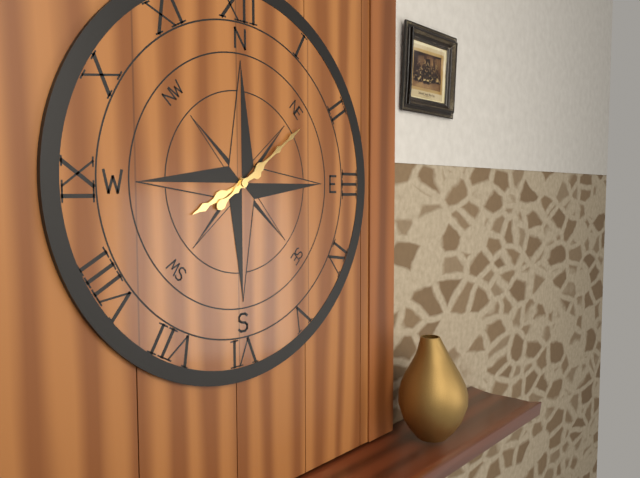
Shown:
8h09
